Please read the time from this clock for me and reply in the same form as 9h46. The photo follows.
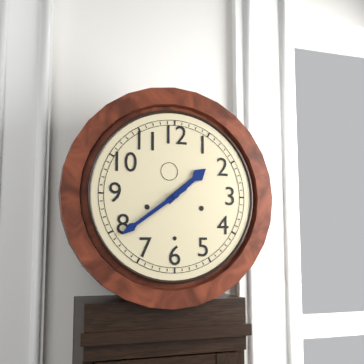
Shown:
1h39
